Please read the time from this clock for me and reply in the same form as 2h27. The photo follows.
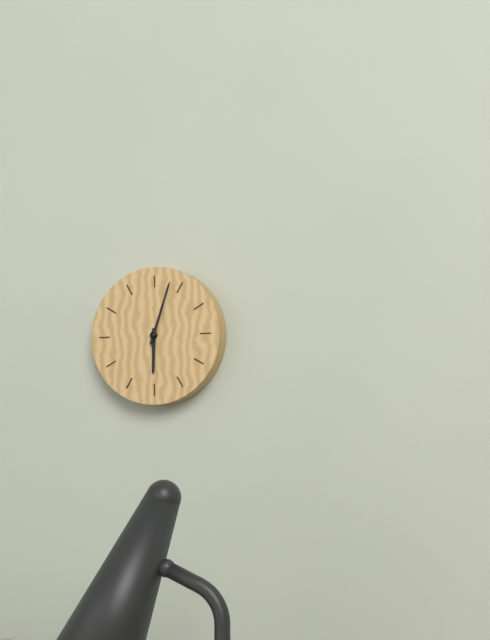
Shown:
6h03
